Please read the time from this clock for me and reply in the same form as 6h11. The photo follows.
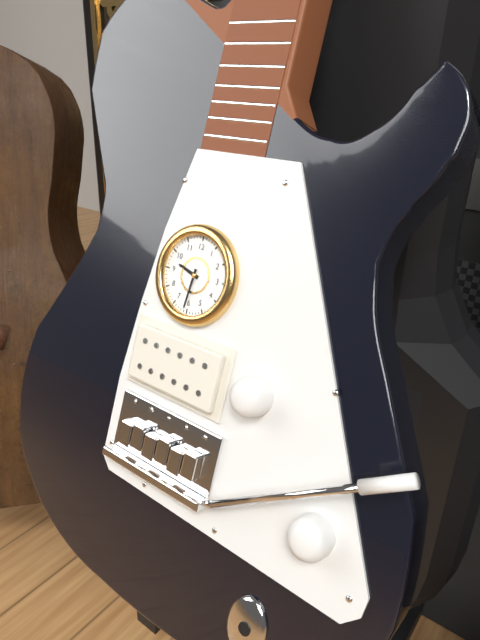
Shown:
9h31
